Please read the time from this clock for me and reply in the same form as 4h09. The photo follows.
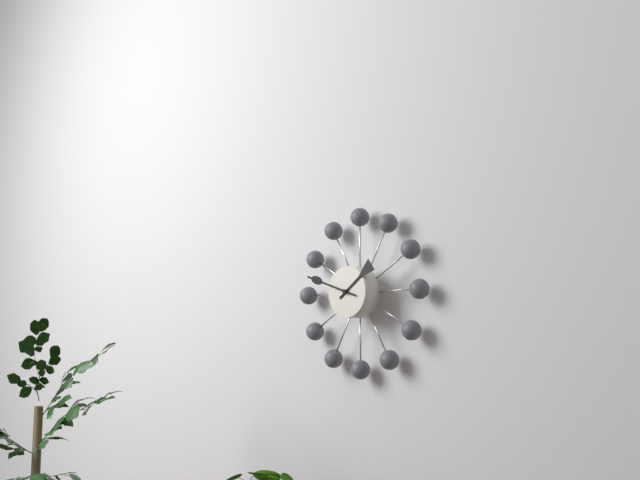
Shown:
1h48
